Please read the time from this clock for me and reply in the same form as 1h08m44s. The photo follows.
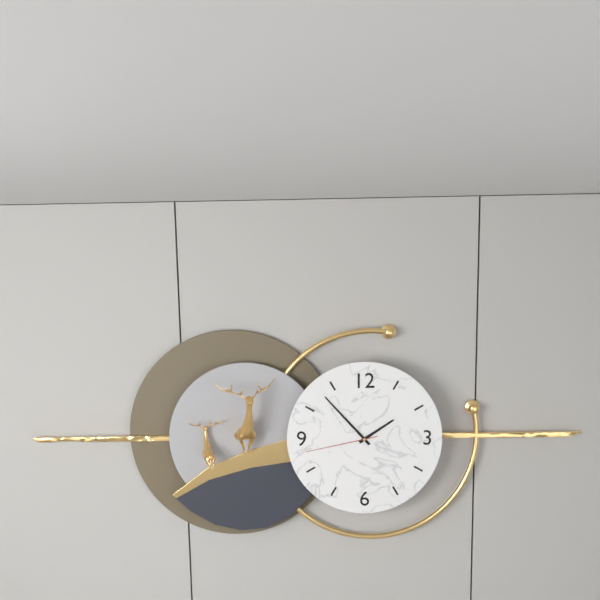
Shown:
1h53m43s
